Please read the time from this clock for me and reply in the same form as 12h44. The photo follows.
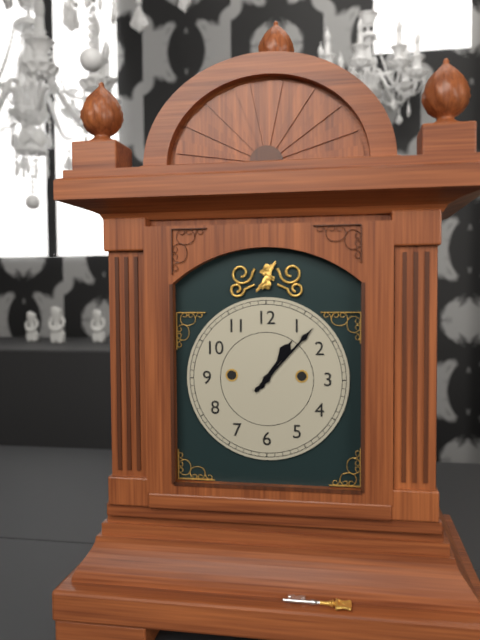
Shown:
1h07
